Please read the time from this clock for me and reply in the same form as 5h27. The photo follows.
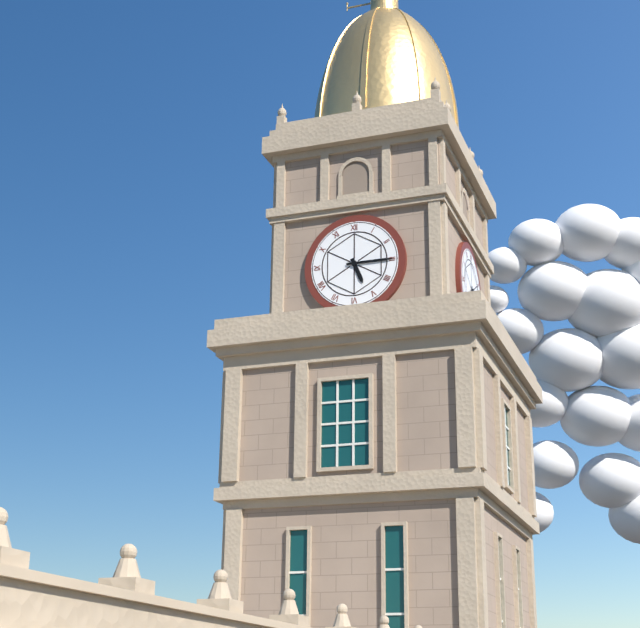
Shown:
5h15
